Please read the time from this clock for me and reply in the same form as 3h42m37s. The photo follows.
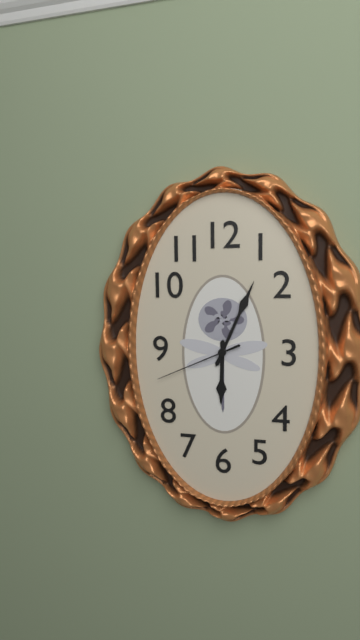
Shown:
6h04m41s
